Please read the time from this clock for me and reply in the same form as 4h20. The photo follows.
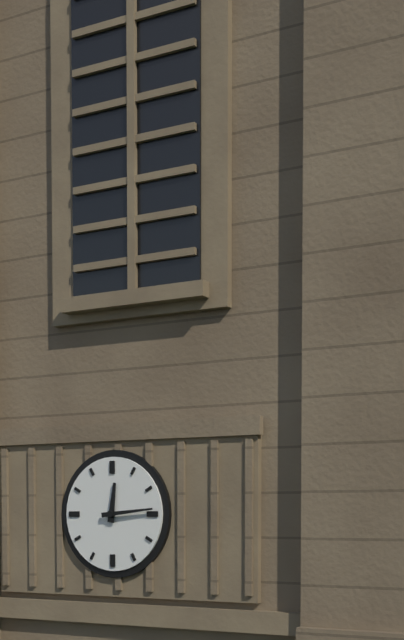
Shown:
12h14
